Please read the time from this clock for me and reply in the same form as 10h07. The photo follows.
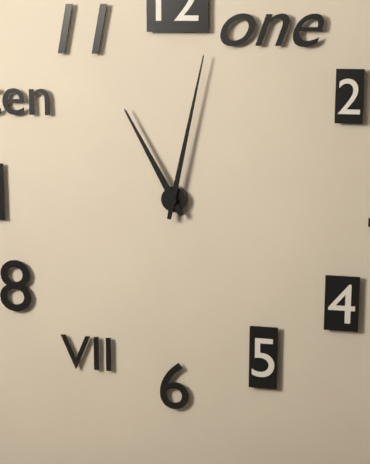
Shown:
11h02
